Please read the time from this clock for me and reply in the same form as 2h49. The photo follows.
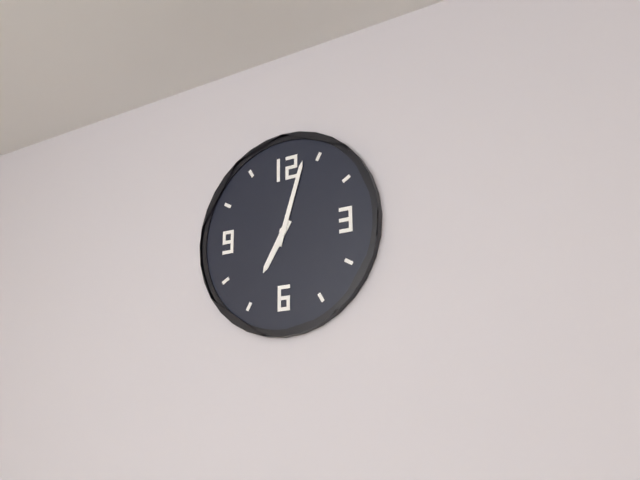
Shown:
7h03
